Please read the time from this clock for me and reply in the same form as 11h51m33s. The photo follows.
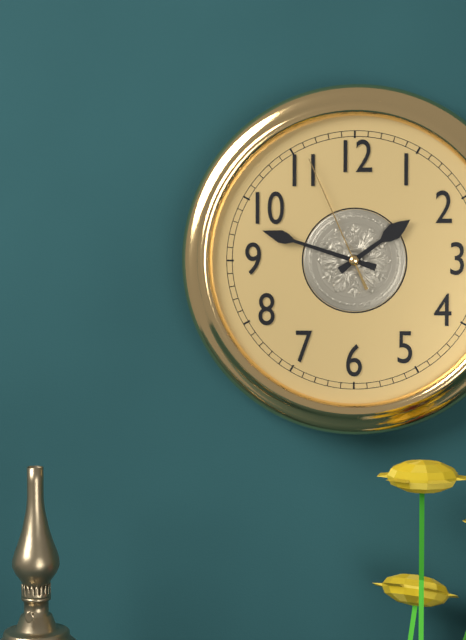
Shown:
1h48m56s
